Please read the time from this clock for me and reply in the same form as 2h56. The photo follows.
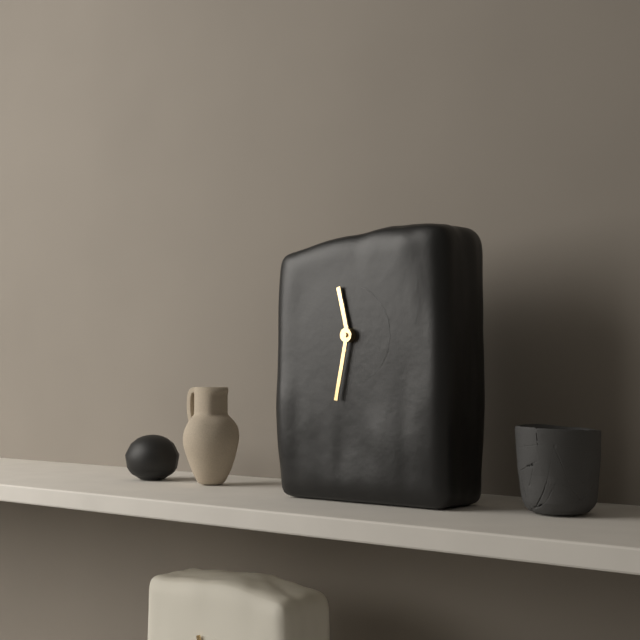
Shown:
11h32
